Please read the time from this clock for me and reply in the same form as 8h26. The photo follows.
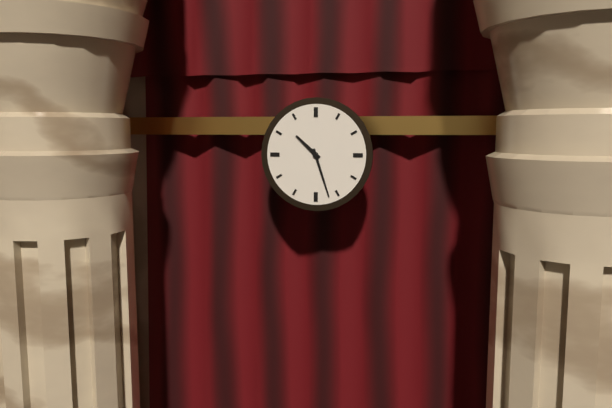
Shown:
10h27
